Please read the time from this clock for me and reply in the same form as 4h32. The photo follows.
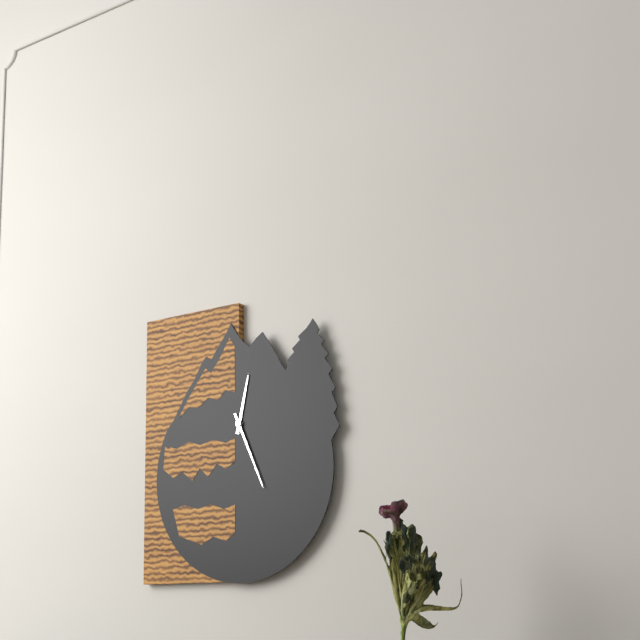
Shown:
12h26
